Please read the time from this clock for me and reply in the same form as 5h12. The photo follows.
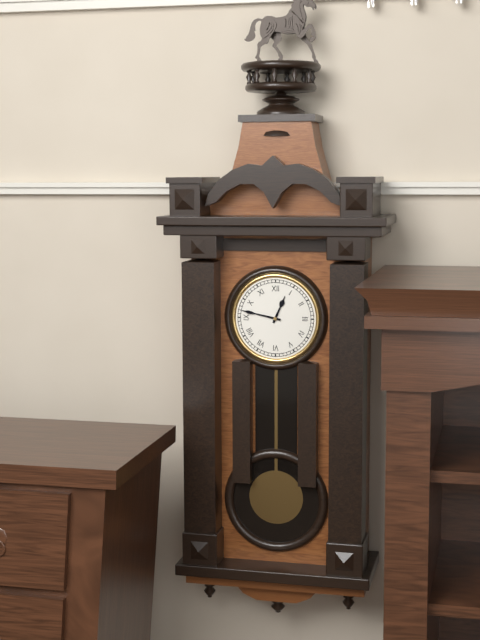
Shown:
12h47
